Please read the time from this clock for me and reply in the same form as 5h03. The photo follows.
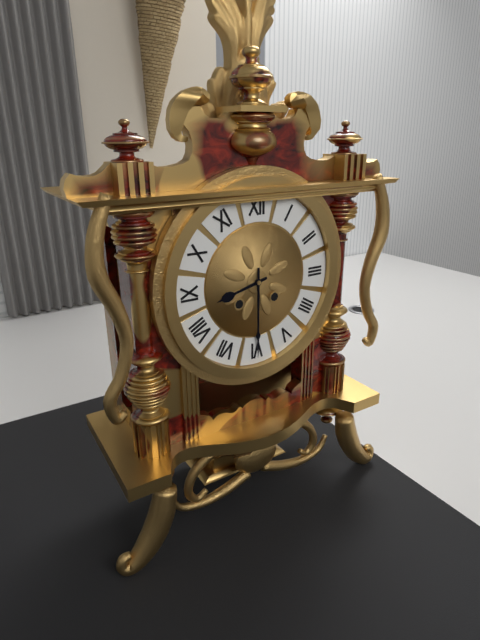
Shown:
8h30
